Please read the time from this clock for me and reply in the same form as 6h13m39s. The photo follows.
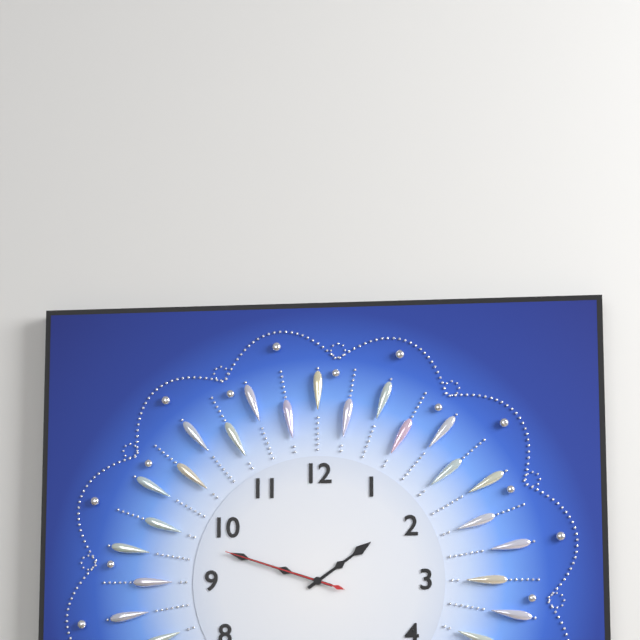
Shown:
1h48m48s
